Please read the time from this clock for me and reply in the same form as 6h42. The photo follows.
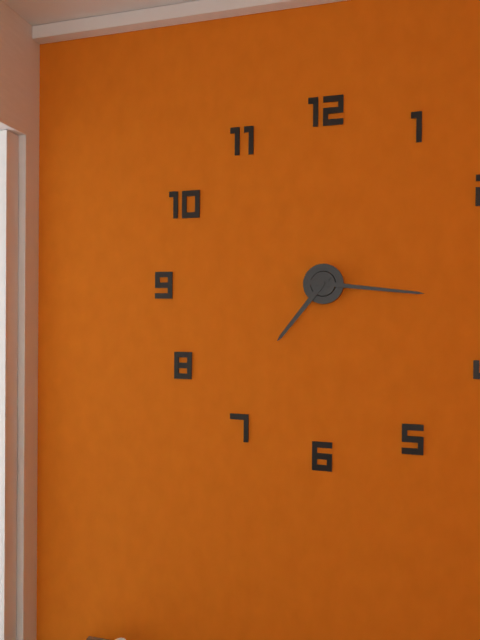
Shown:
7h16
